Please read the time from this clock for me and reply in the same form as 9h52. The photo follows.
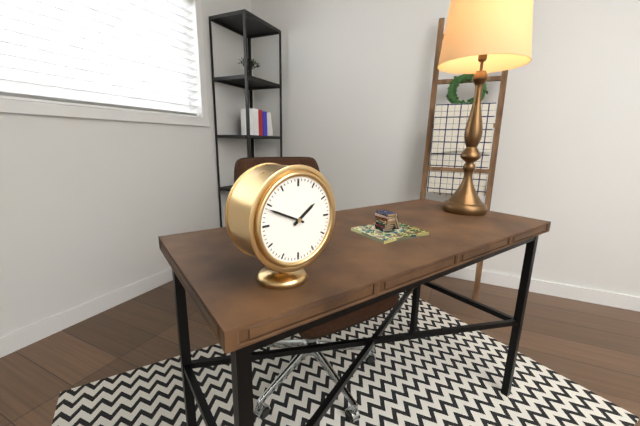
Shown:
1h49
